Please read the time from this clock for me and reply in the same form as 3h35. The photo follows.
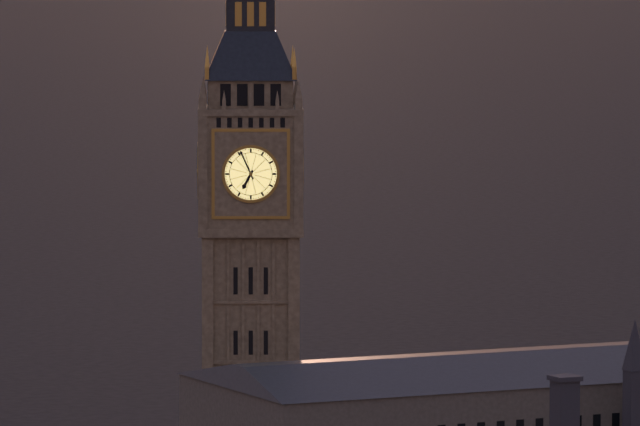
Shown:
6h56
